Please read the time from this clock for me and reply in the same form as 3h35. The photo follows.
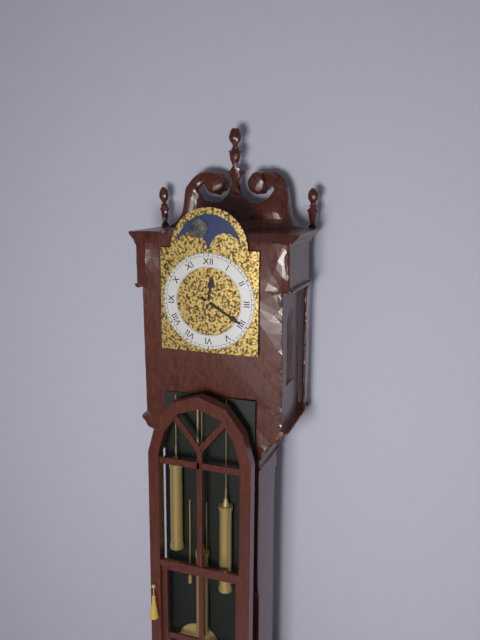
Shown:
12h20
